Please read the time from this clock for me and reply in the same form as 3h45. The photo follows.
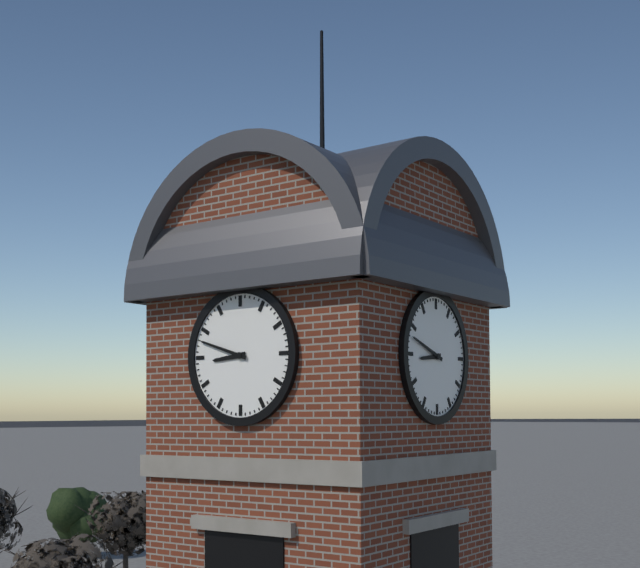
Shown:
8h48
